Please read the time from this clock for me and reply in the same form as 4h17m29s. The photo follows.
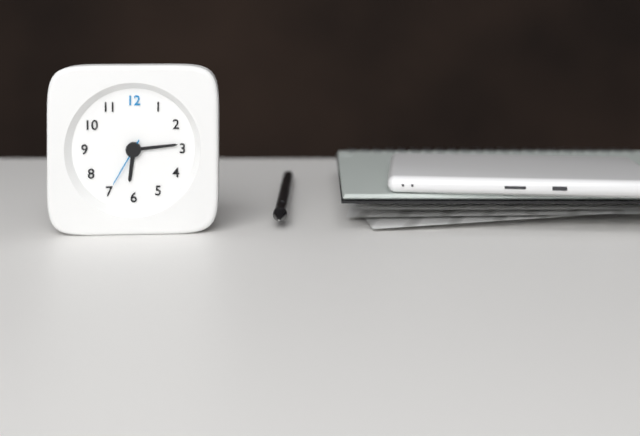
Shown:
6h14m35s
